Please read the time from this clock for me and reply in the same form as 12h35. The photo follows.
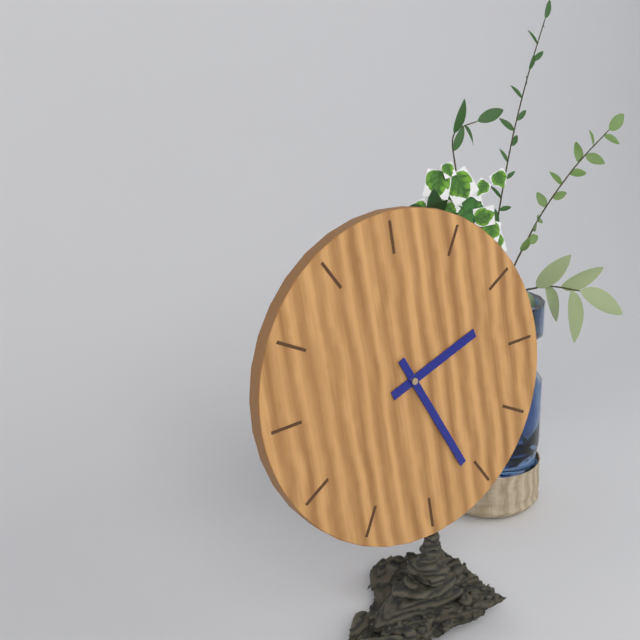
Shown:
2h26
